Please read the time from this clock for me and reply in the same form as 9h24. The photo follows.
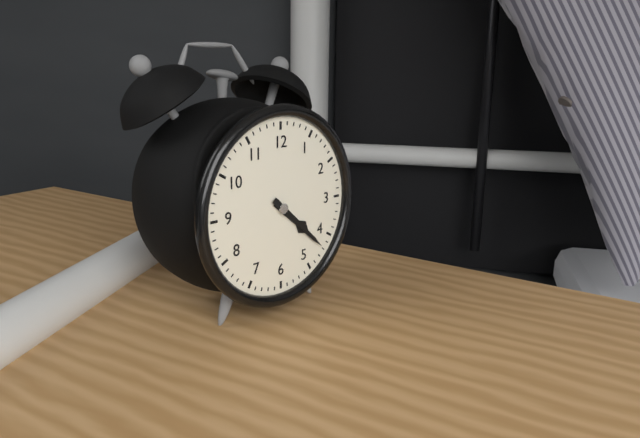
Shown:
4h22
